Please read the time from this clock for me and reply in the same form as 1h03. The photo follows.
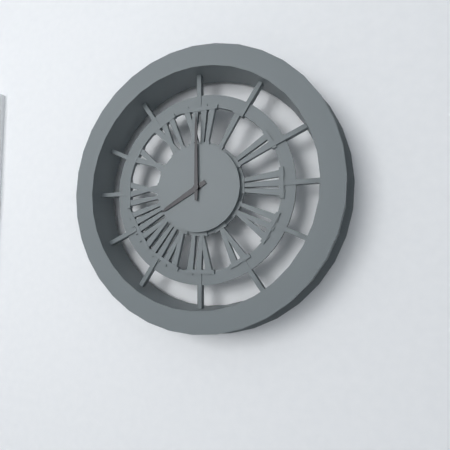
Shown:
8h00
